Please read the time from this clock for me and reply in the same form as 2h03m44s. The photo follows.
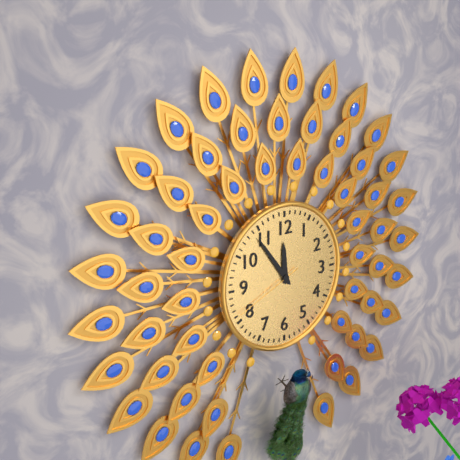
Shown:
11h54m41s
